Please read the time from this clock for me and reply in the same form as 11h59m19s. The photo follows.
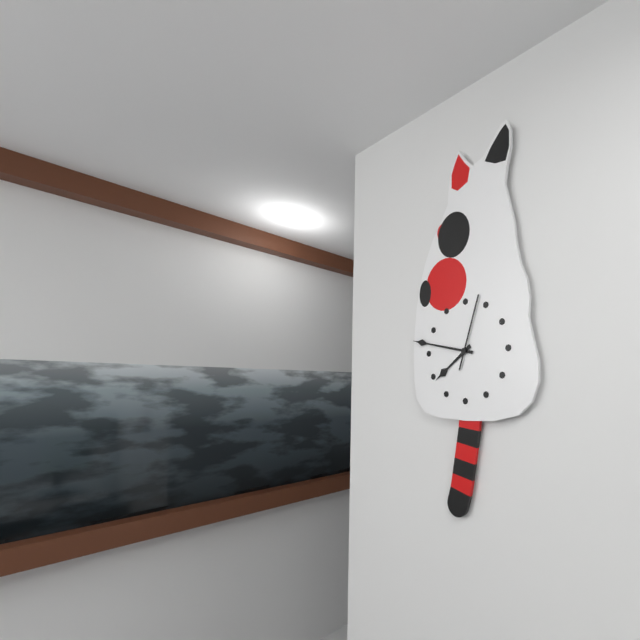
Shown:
7h47m03s
